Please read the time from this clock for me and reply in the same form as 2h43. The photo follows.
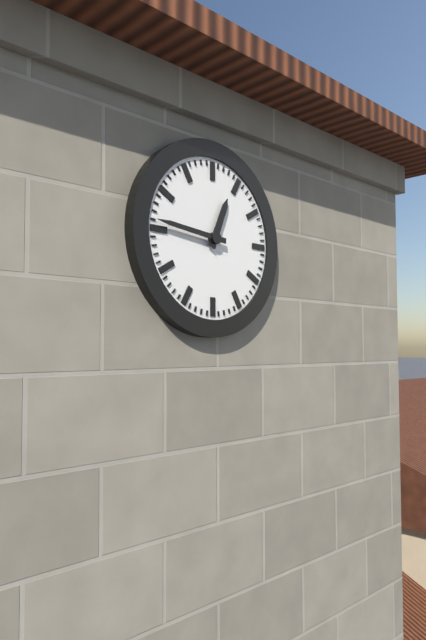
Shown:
12h46
